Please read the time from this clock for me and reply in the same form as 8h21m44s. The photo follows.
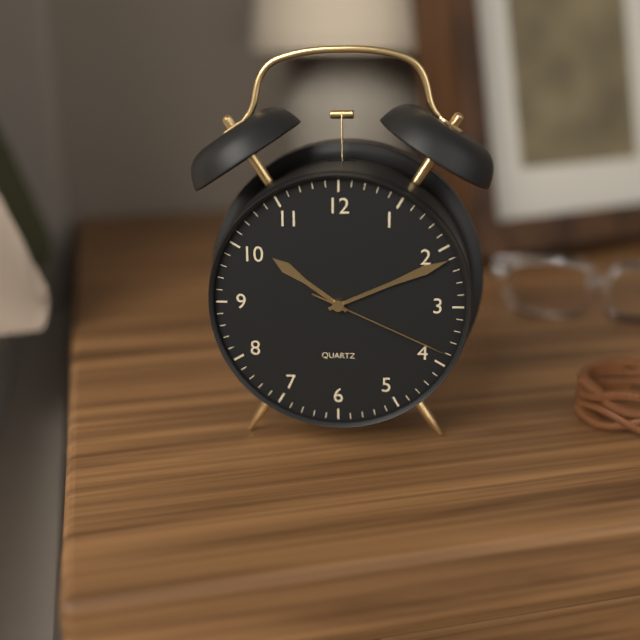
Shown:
10h11m19s
